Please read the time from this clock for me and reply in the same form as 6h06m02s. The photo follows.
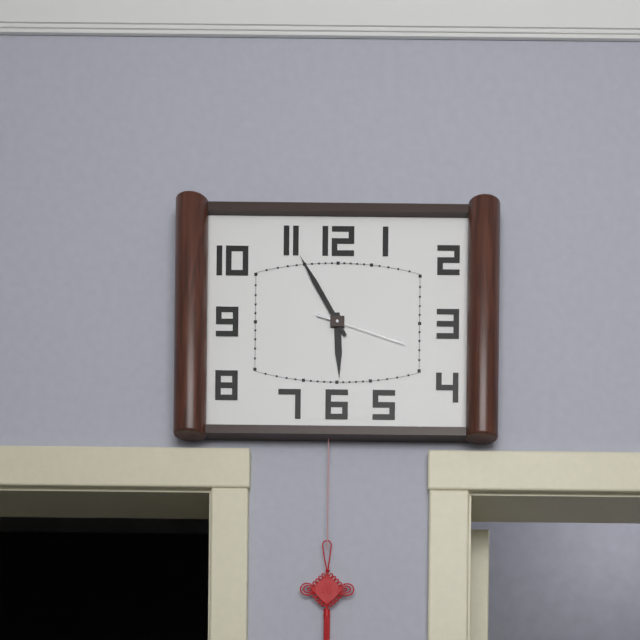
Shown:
5h55m18s
